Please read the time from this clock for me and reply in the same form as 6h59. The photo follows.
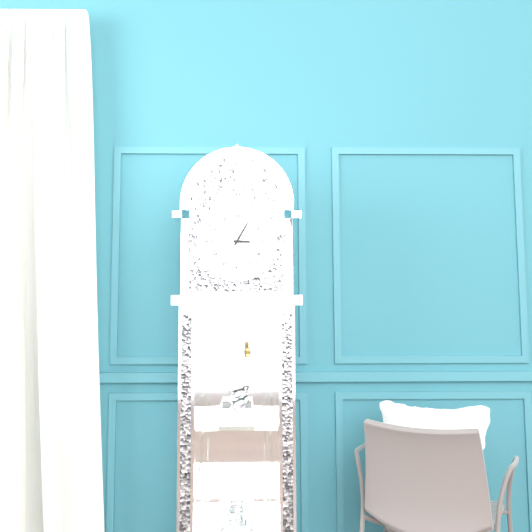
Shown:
3h05
